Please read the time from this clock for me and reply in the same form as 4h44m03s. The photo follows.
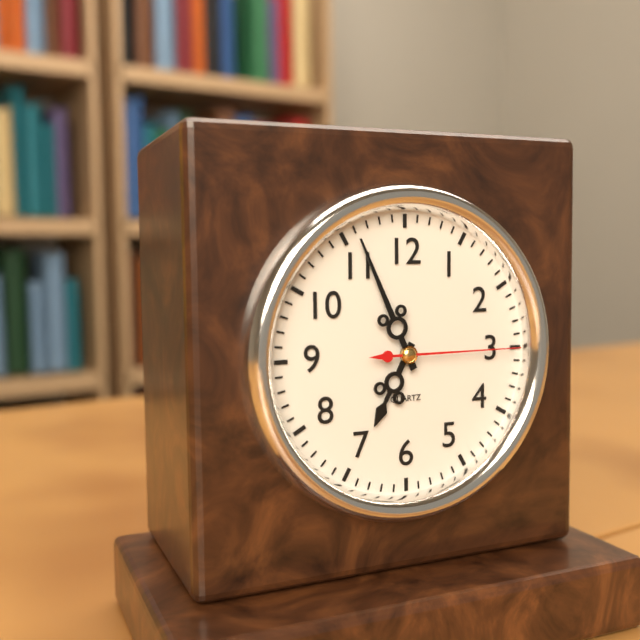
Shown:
6h56m15s
